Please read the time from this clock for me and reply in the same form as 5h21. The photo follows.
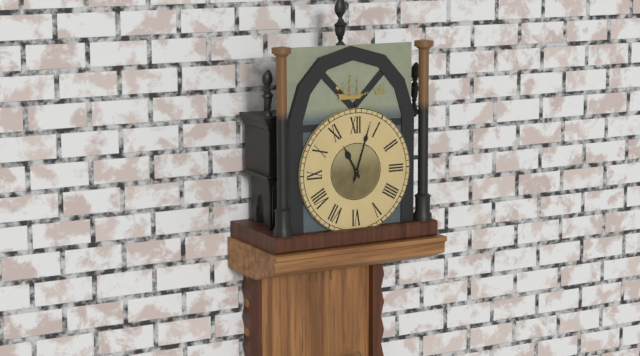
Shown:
11h03
